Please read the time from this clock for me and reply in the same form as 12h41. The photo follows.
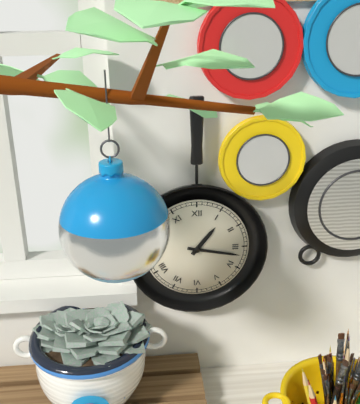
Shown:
1h17
